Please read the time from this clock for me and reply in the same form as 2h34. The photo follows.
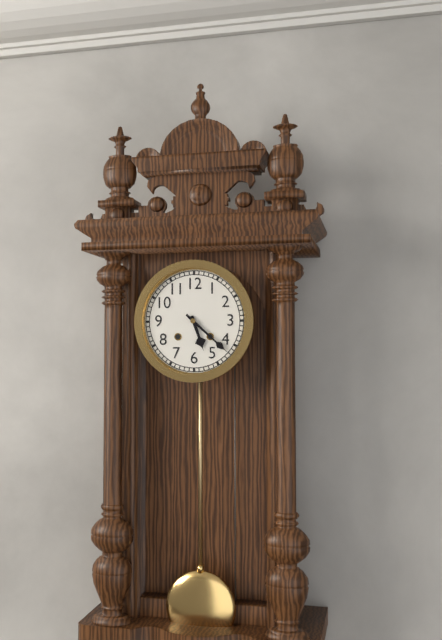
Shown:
5h22
